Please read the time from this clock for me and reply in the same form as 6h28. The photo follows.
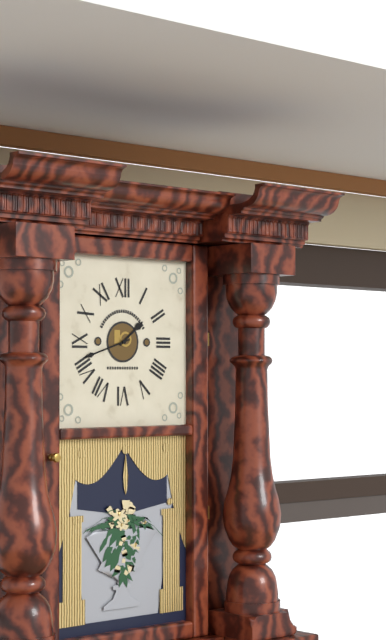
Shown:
1h42
